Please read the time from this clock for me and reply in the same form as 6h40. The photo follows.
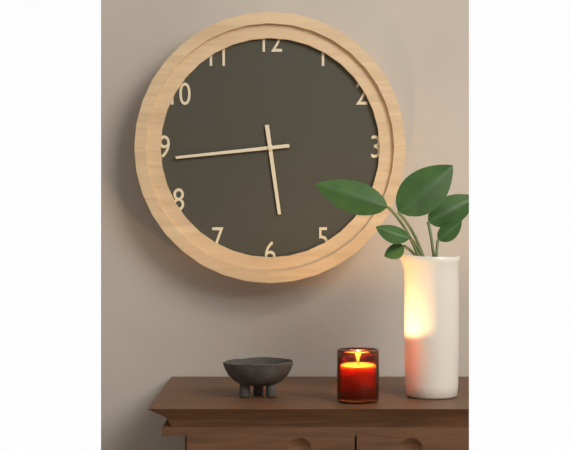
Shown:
5h44
